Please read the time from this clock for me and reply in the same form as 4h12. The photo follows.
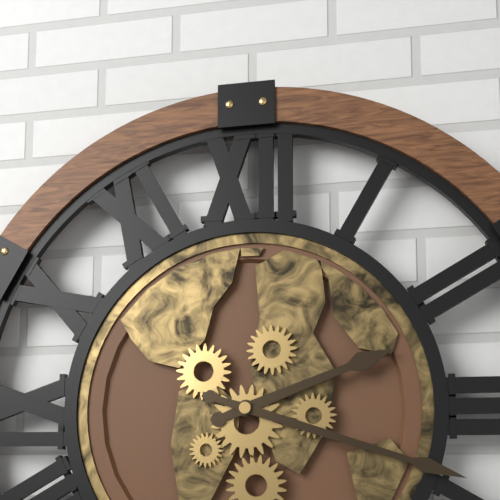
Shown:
2h18
